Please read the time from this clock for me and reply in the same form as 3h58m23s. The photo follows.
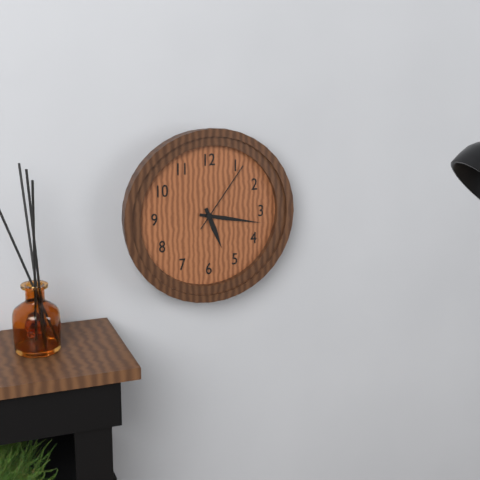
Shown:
5h17m06s
